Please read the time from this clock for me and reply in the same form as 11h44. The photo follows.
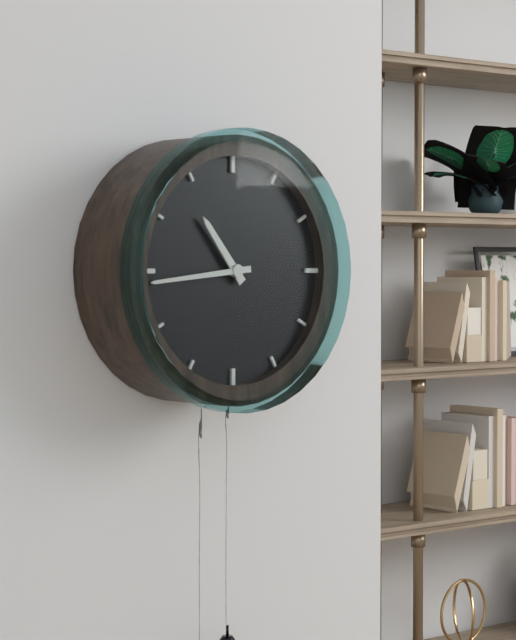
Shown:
10h44
